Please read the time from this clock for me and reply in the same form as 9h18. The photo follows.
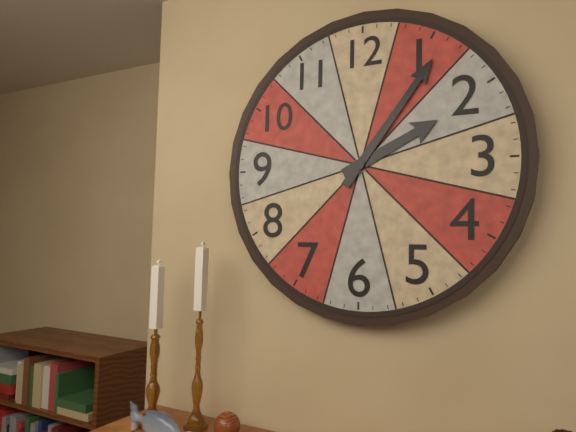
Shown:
2h06
